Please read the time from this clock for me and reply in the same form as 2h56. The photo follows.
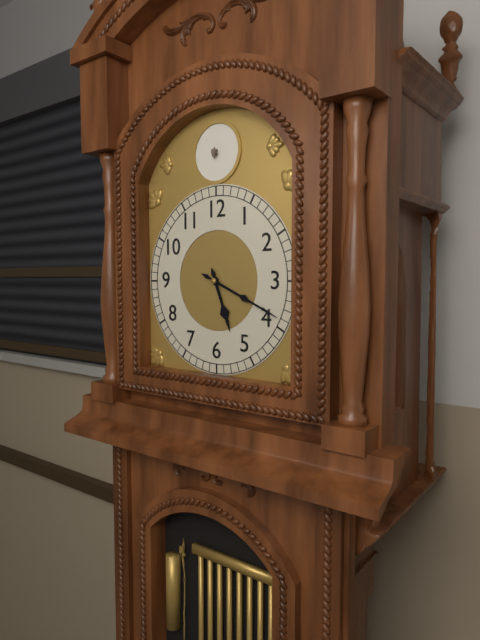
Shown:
5h19
